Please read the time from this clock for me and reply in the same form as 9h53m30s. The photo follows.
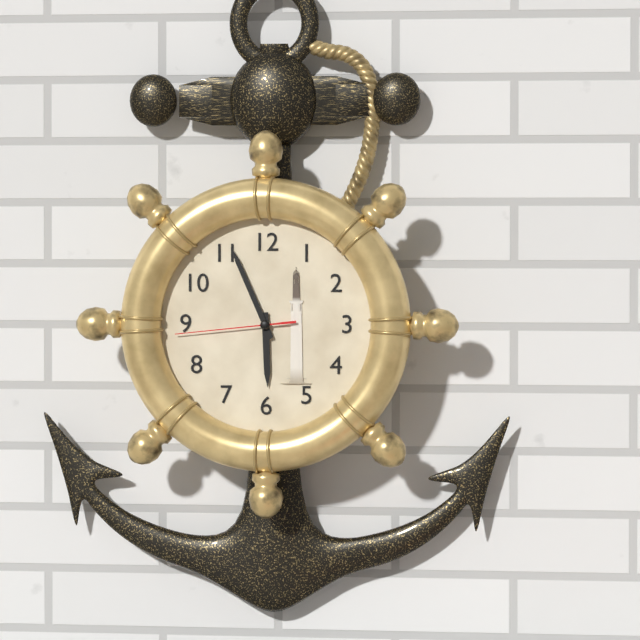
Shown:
5h56m44s
